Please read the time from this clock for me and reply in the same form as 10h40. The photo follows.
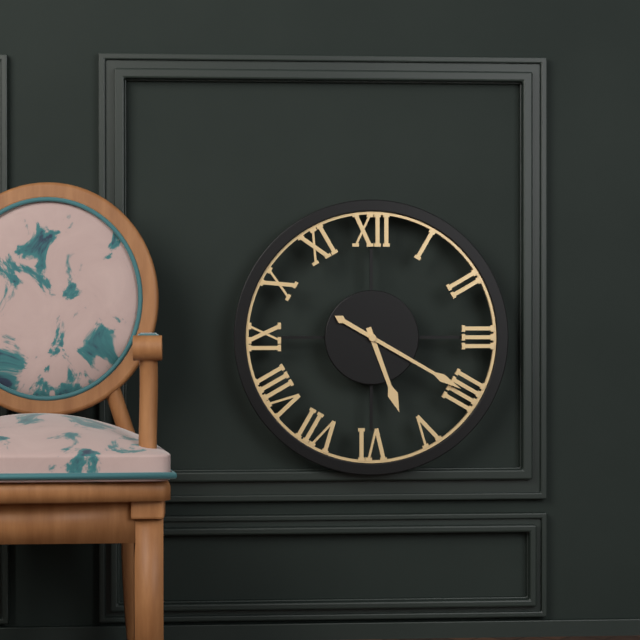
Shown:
5h20
